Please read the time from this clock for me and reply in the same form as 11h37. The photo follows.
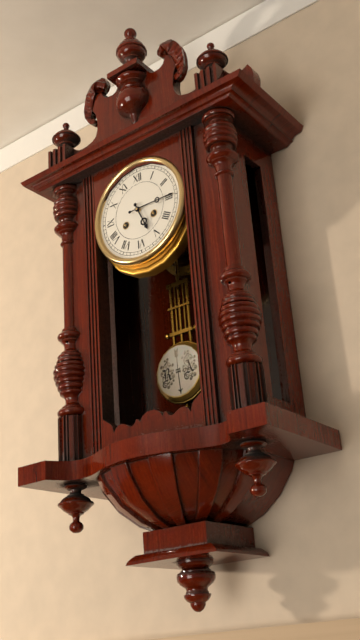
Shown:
5h15
